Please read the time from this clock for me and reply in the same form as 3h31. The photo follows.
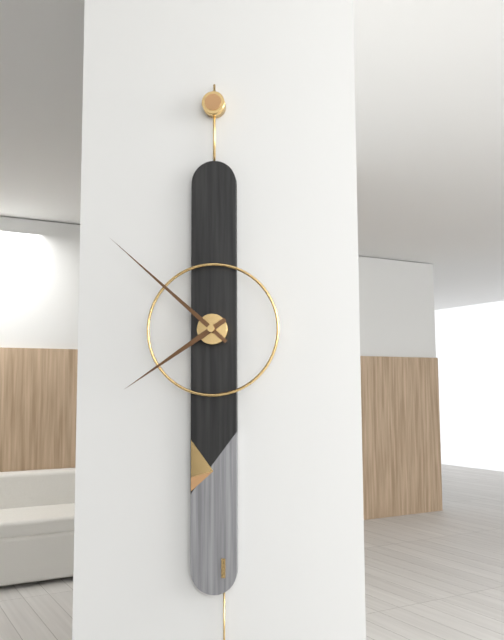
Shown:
7h52
